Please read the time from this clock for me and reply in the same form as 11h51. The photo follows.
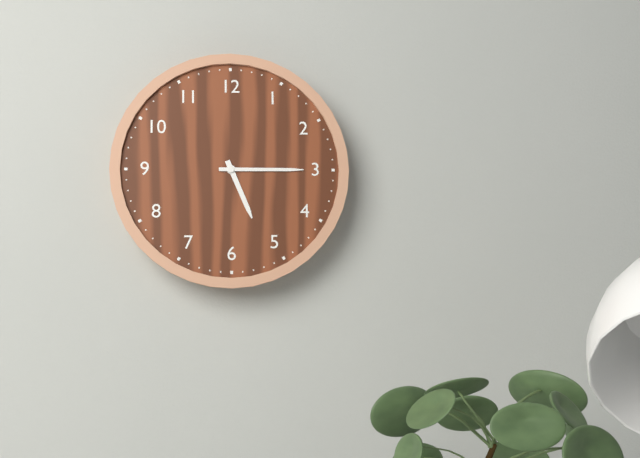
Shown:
5h15
